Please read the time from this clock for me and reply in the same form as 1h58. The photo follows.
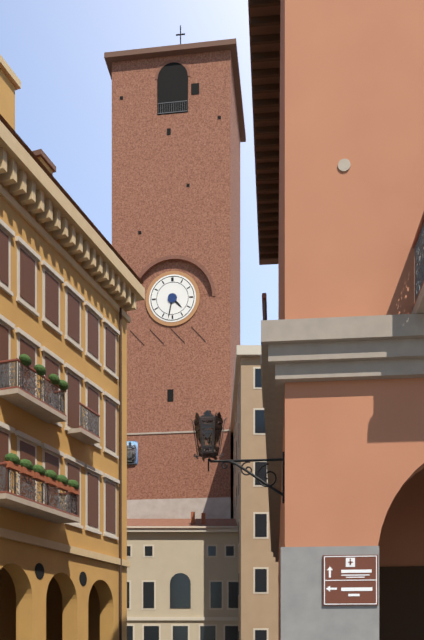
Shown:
4h32
